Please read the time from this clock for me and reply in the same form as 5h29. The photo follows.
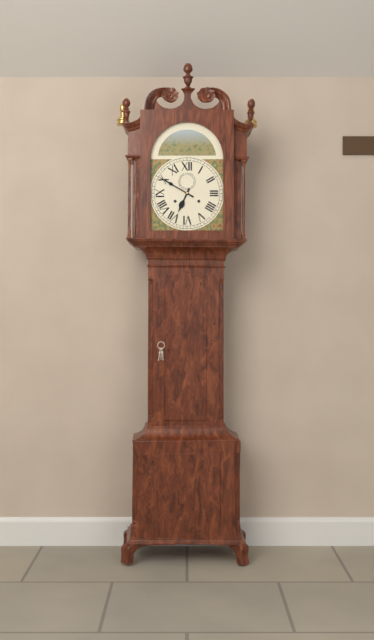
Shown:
6h50
